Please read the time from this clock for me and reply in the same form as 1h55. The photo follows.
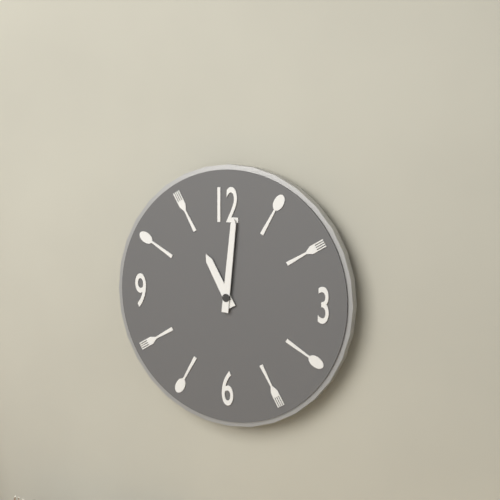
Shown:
11h01
